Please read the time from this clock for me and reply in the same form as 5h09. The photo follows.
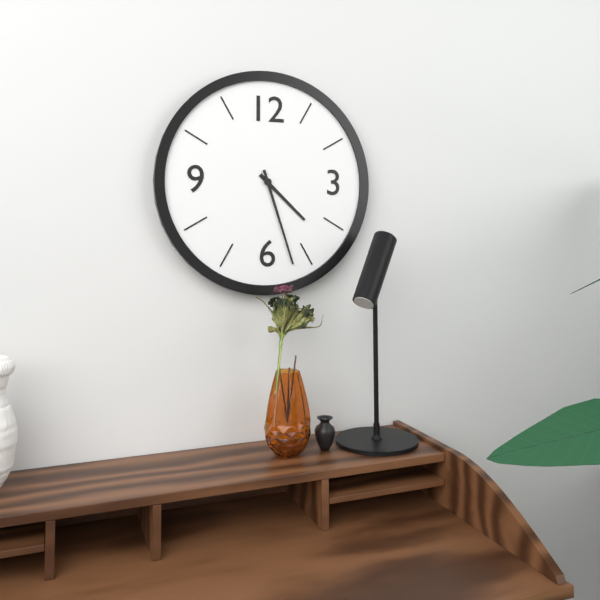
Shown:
4h27
